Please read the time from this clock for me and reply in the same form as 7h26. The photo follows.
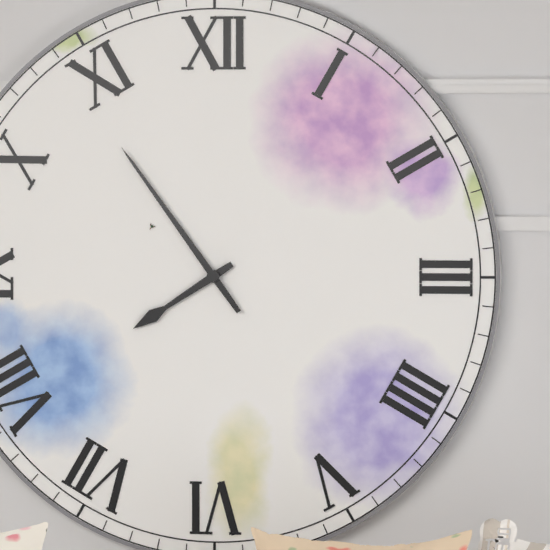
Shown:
7h54
